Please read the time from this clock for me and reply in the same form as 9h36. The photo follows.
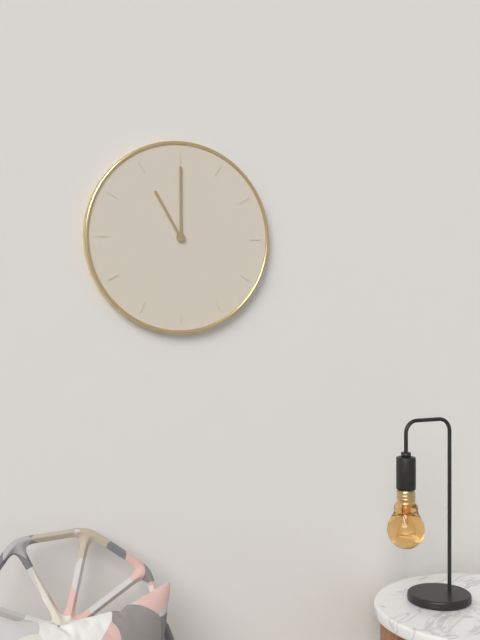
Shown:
11h00
